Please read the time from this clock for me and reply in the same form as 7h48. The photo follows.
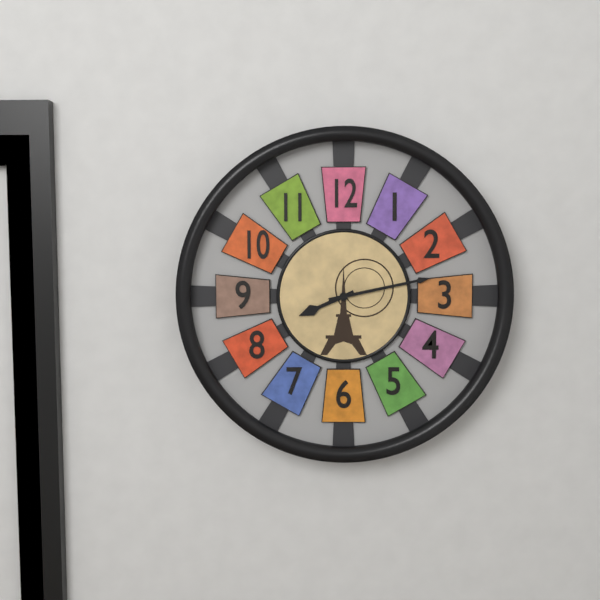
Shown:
8h13
